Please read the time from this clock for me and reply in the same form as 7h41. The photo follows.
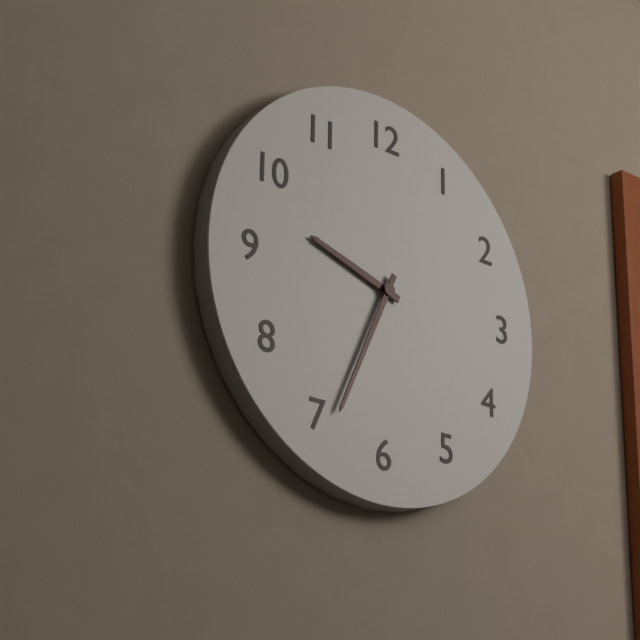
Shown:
9h34
